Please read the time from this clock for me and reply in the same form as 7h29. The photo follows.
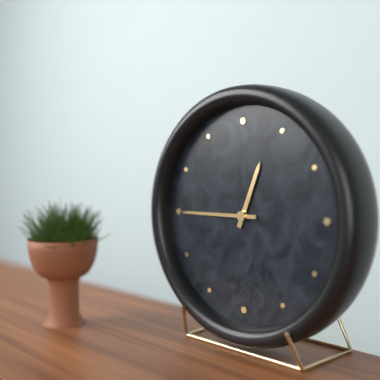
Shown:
12h45
